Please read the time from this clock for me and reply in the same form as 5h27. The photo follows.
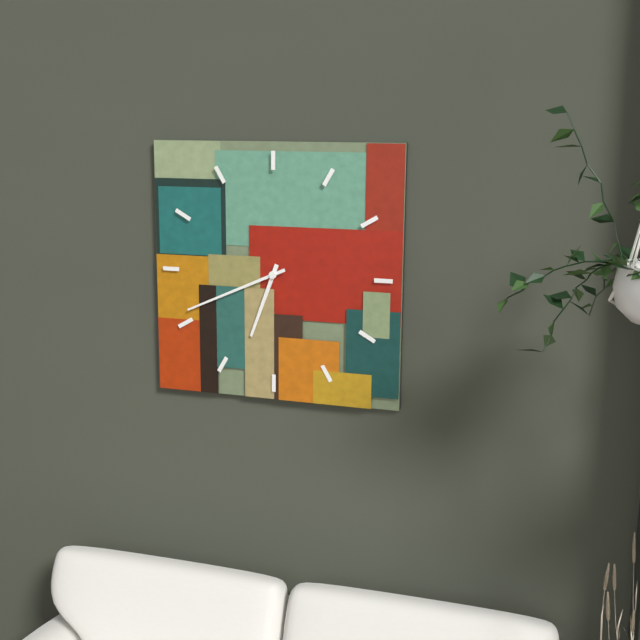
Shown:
6h41
